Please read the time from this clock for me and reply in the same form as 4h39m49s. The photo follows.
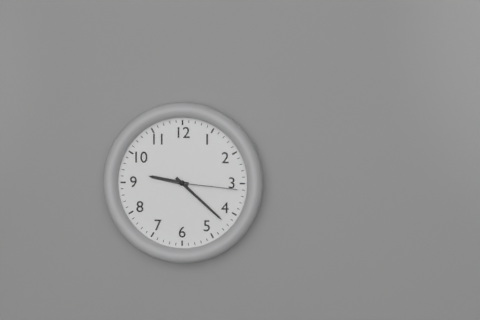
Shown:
9h22m16s
